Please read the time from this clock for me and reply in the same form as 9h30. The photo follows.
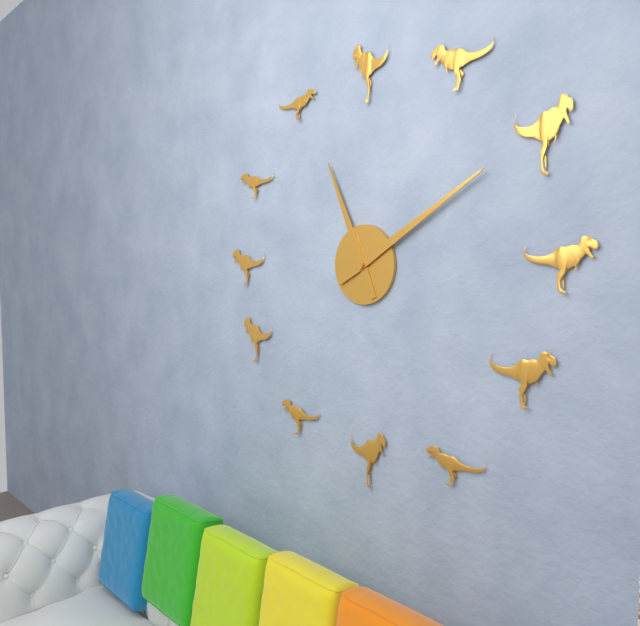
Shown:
11h10
